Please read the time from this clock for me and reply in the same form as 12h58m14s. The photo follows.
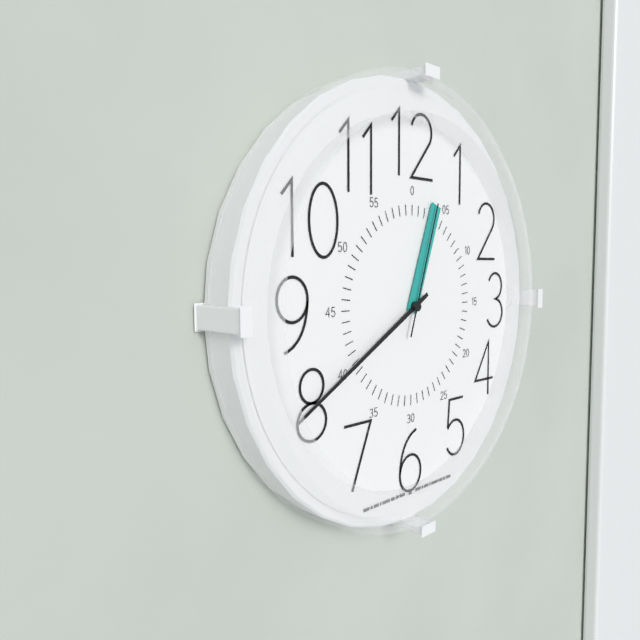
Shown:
12h40m03s
